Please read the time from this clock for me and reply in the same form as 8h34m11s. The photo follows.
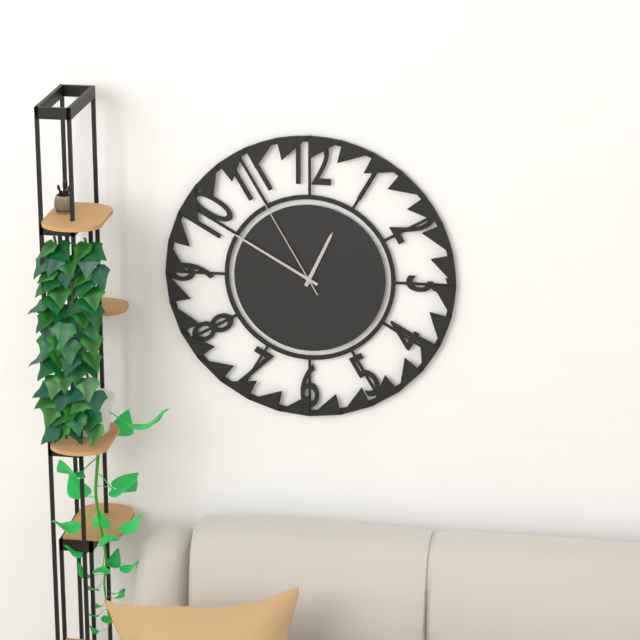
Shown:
12h50m55s
